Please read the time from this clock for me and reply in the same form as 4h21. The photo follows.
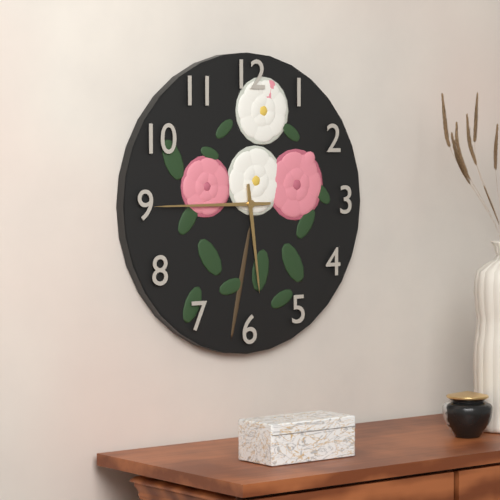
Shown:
5h45
